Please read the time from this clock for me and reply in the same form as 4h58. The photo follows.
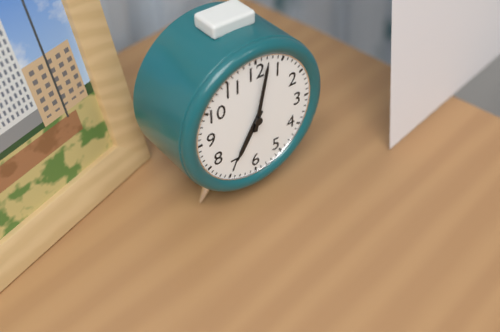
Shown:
7h02
